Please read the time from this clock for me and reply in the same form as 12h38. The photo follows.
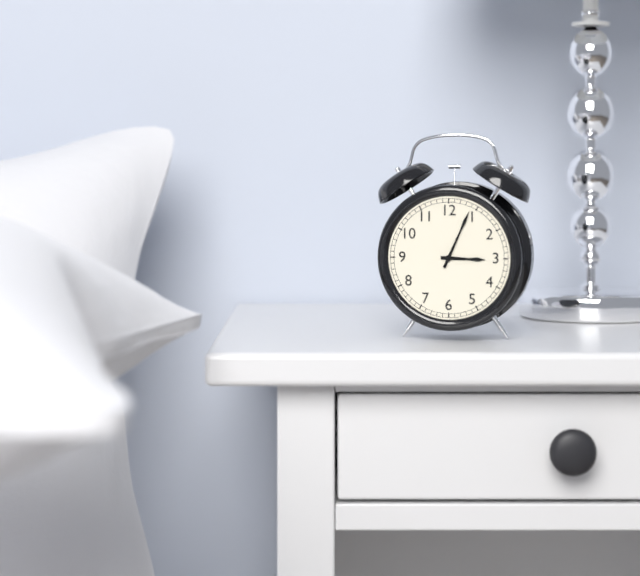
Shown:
3h04
